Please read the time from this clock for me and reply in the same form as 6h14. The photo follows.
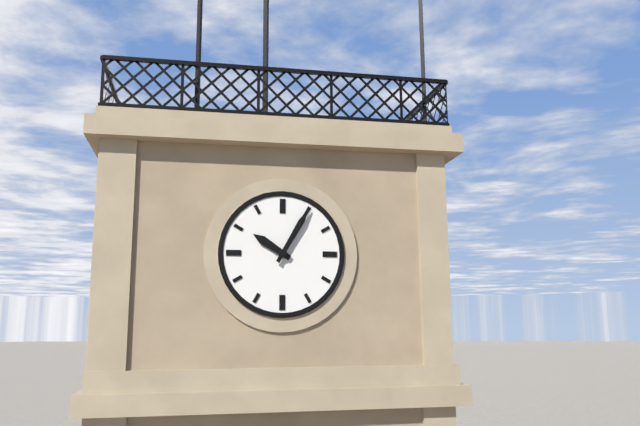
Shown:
10h05
